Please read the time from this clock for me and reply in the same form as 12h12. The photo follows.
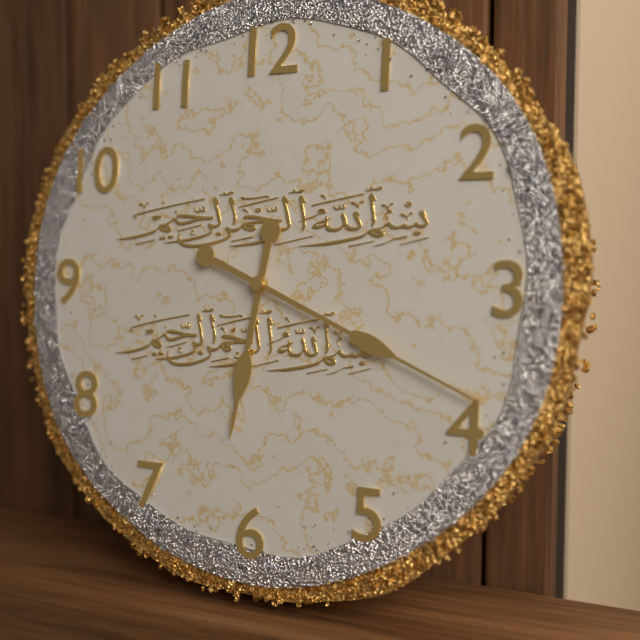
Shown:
6h19
